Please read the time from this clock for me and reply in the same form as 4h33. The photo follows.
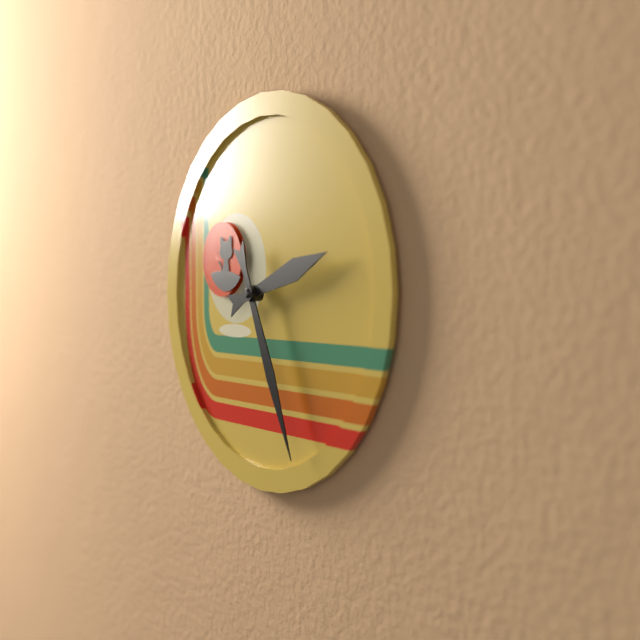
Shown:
2h26
